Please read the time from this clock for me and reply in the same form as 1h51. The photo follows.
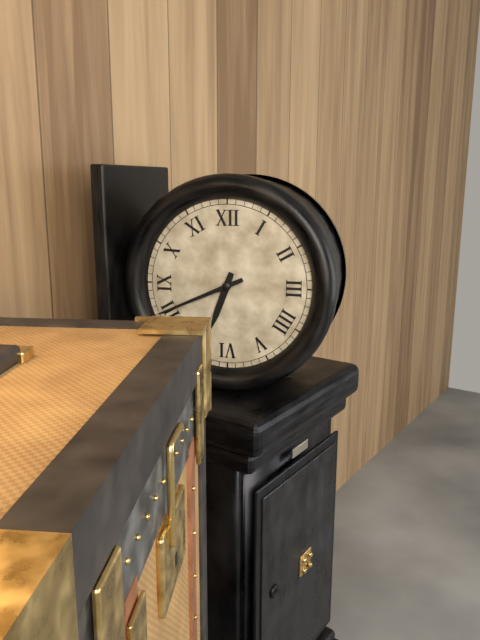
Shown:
6h41
